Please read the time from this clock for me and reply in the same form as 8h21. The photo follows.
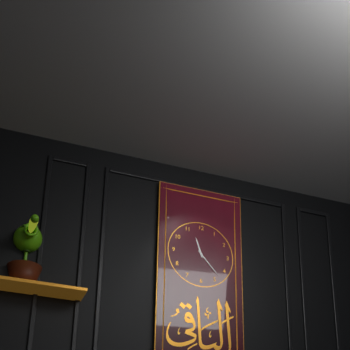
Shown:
11h23
